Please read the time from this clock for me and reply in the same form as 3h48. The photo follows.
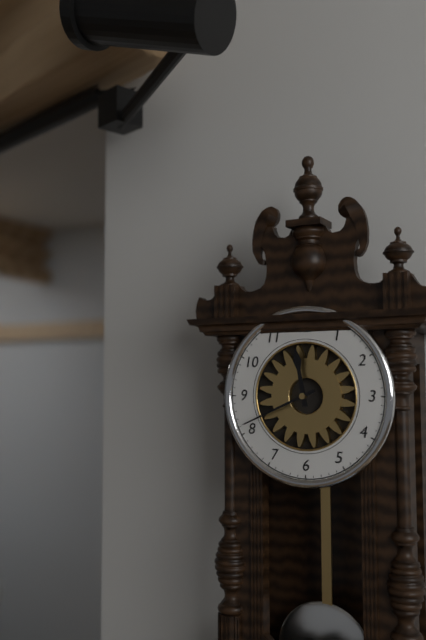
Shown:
11h41
